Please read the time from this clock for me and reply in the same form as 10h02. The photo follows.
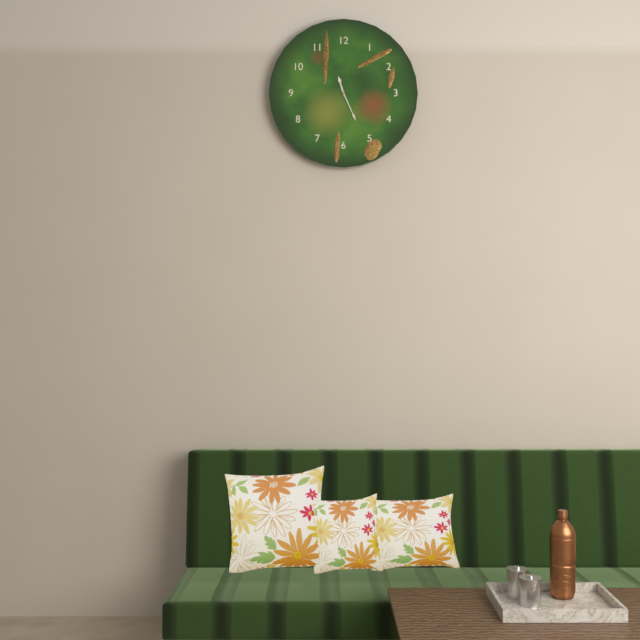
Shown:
11h26
